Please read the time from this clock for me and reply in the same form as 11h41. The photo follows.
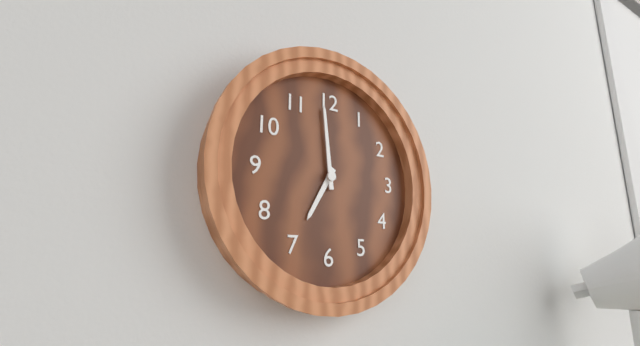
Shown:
6h59
